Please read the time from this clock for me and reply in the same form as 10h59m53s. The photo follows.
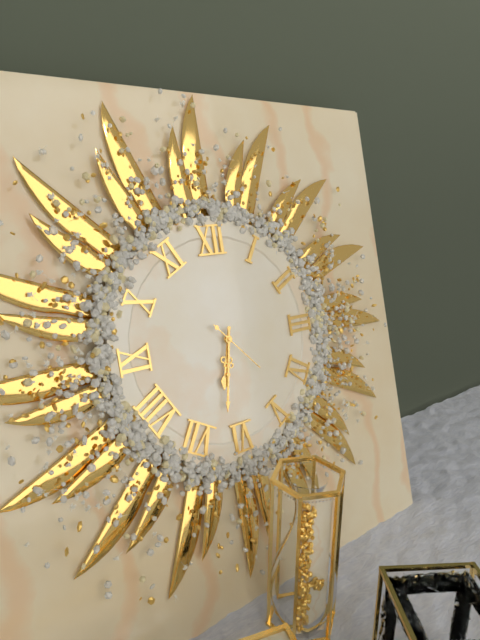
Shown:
6h32m23s
